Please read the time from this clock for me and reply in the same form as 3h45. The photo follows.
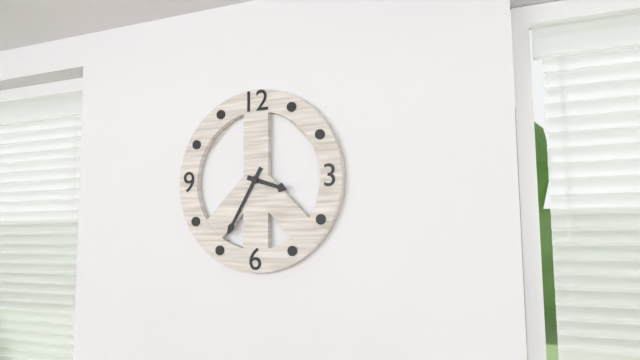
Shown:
3h35
